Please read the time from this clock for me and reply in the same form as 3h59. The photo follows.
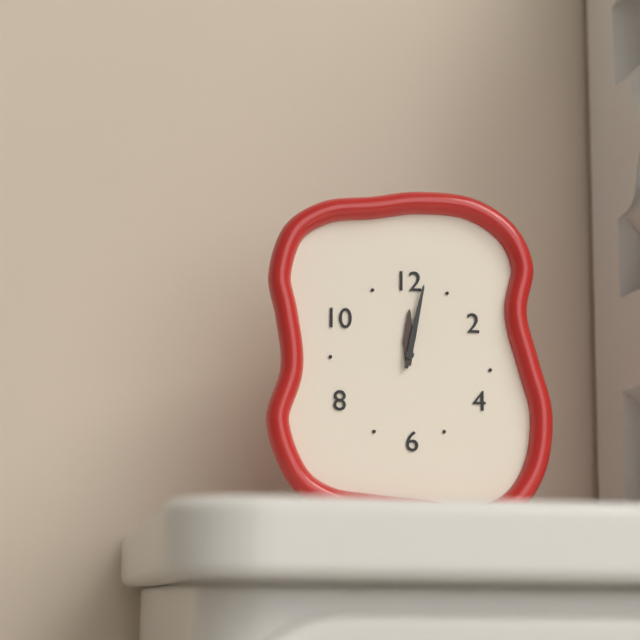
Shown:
12h02
